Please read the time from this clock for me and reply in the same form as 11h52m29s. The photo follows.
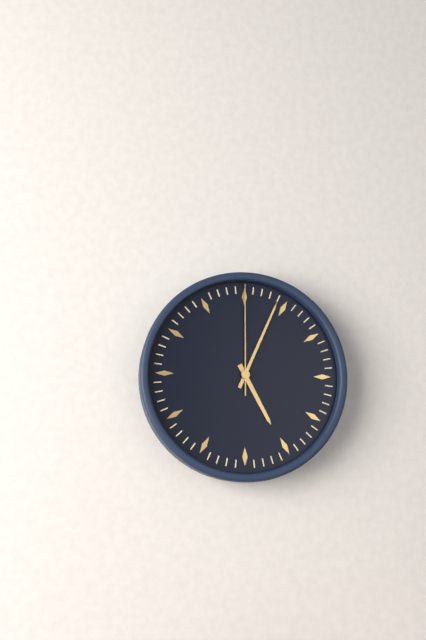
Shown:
5h04m00s
